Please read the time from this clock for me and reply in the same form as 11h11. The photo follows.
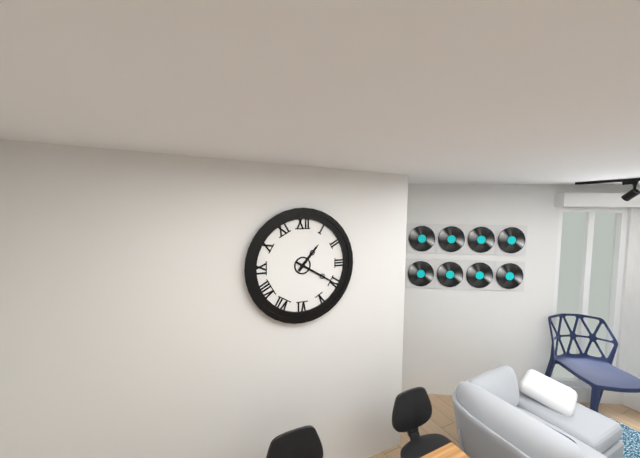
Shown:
1h20
